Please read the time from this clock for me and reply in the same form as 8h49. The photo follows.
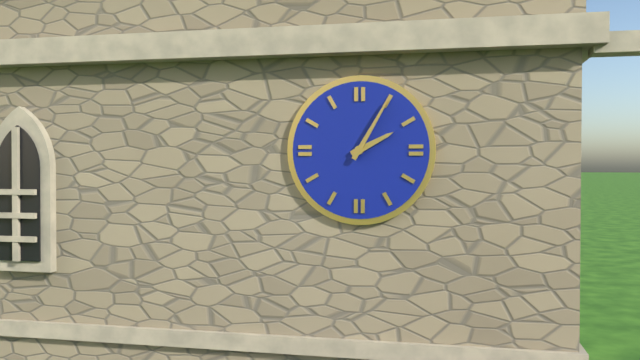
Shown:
2h05
